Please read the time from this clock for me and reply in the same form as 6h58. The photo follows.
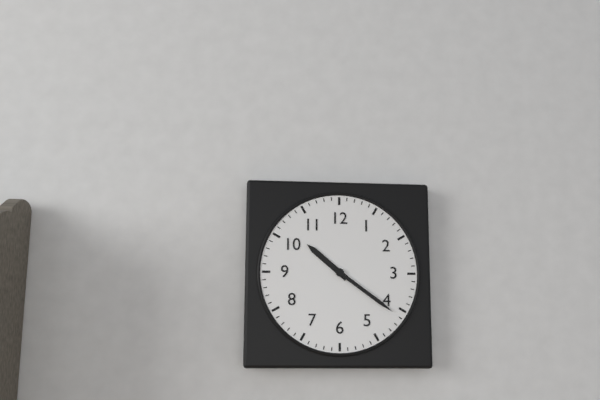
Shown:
10h21
